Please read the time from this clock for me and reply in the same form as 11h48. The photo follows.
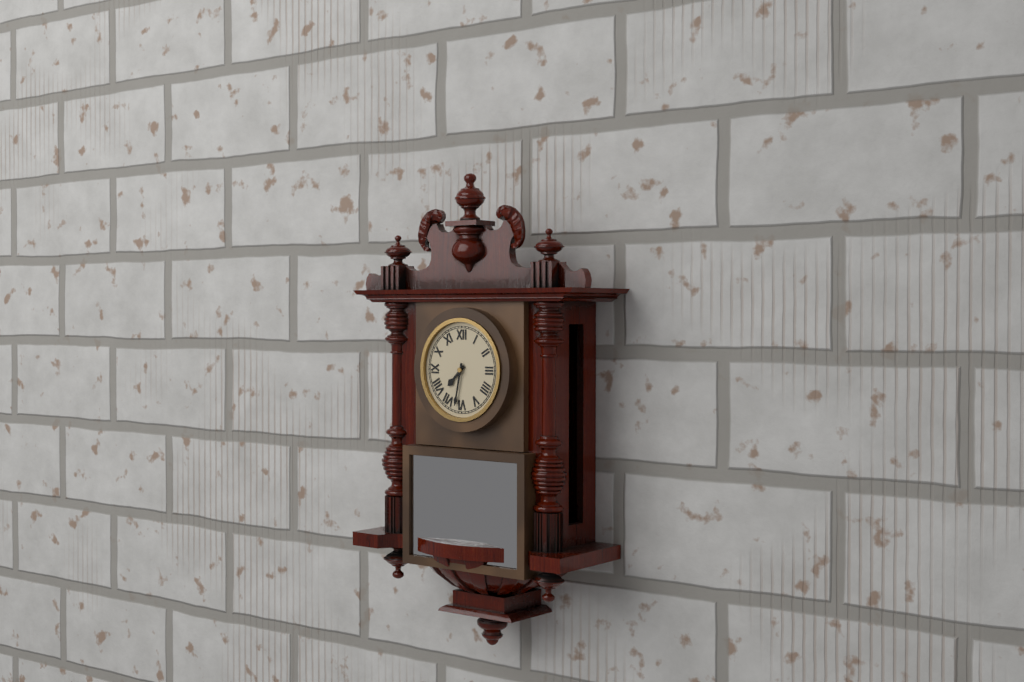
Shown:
7h32
